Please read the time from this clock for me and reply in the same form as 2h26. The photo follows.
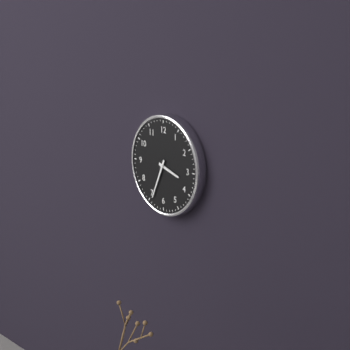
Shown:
3h34
